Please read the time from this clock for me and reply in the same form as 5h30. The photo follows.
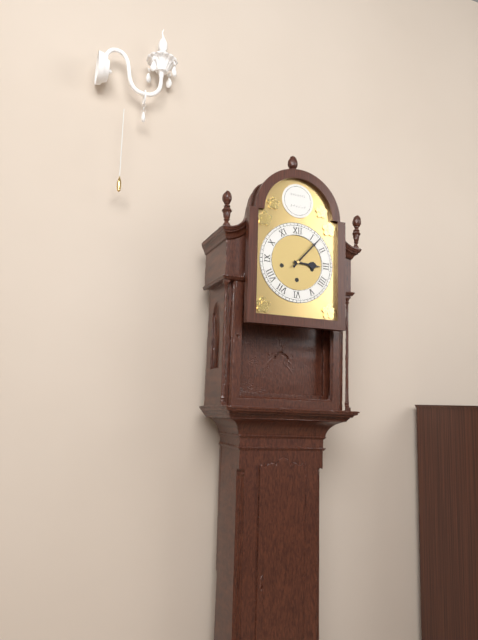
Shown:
3h07
